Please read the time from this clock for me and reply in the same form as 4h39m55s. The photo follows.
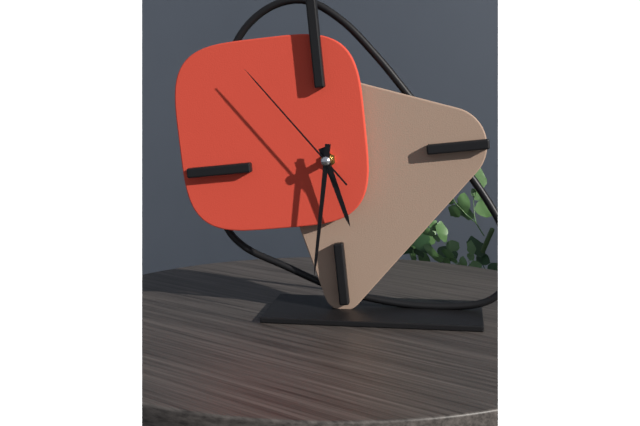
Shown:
5h32m54s
